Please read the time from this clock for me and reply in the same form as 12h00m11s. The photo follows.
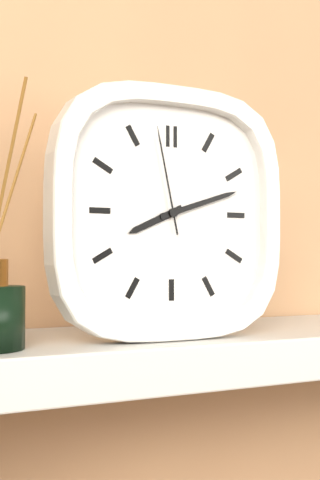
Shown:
8h12m58s
